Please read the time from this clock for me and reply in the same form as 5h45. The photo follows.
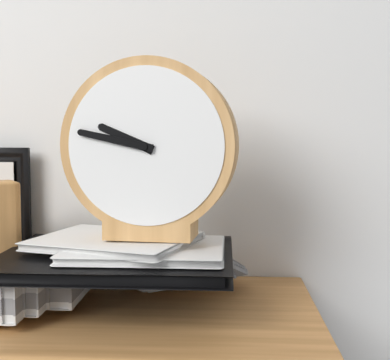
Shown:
9h47
